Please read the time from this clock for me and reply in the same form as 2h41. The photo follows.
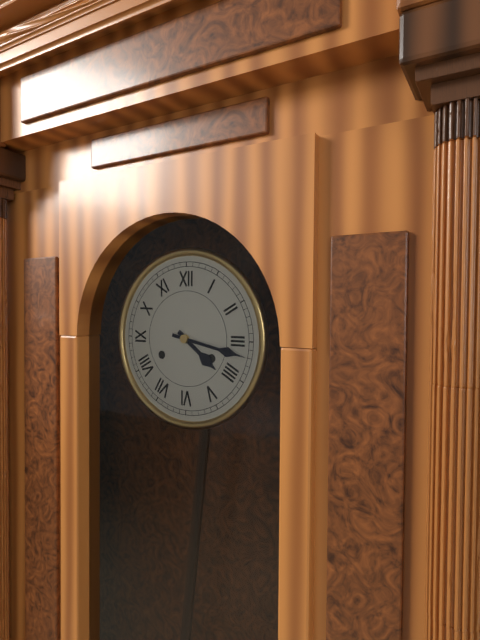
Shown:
4h17
